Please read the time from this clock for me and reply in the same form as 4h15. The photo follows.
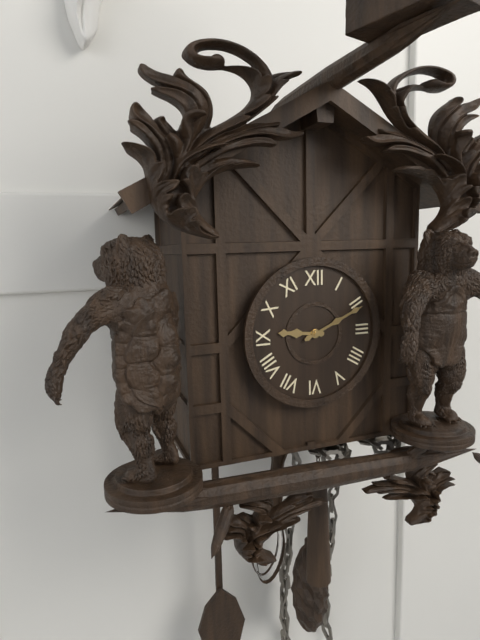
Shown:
9h11
